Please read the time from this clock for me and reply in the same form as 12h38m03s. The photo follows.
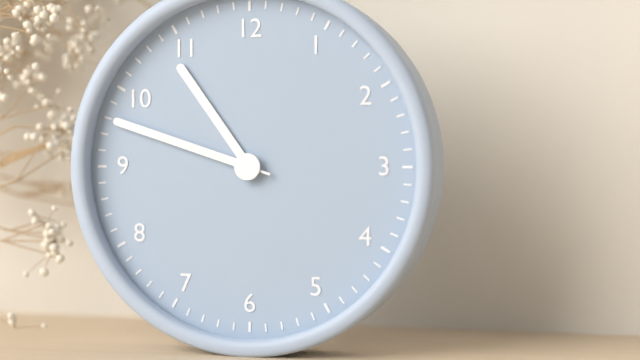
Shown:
10h48m48s
